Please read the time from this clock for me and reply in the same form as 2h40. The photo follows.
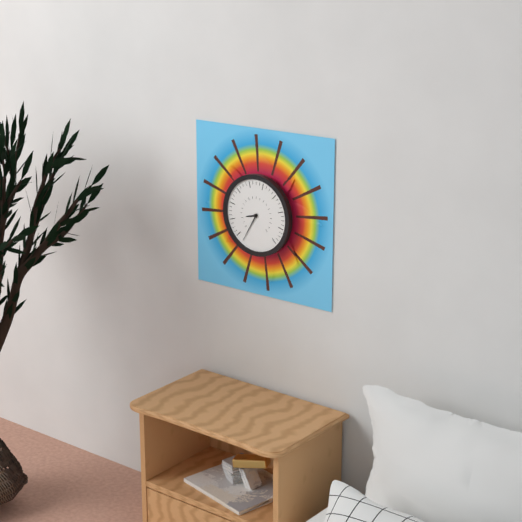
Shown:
8h35
